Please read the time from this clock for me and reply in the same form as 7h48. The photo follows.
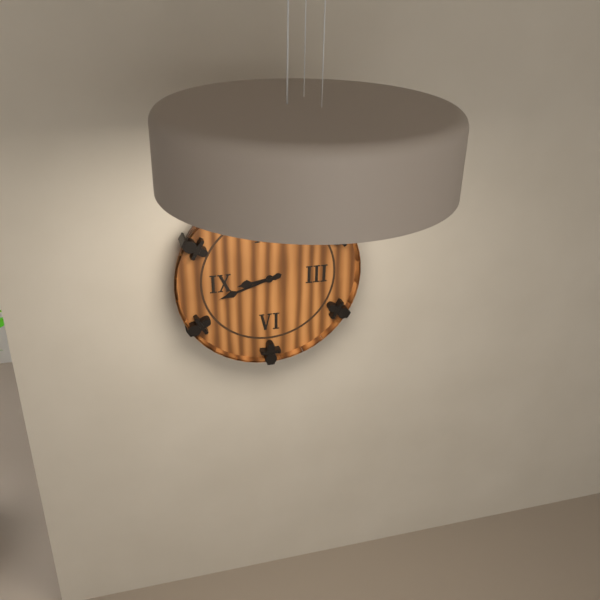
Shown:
8h42
